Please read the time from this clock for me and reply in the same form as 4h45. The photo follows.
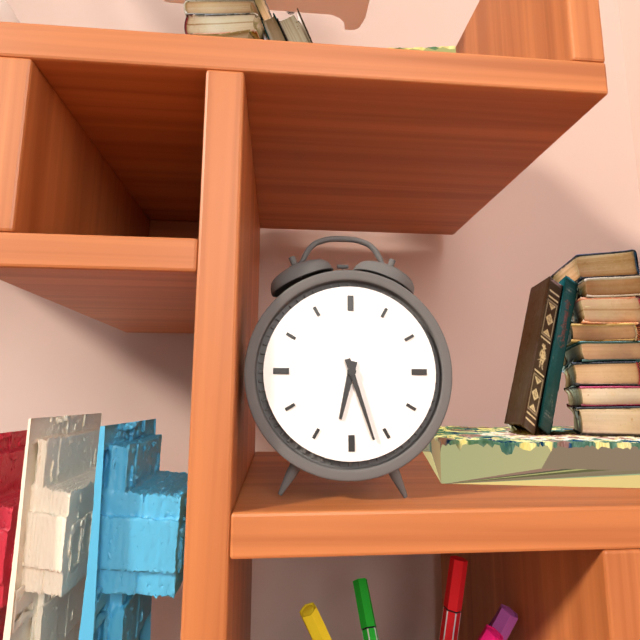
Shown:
6h27
